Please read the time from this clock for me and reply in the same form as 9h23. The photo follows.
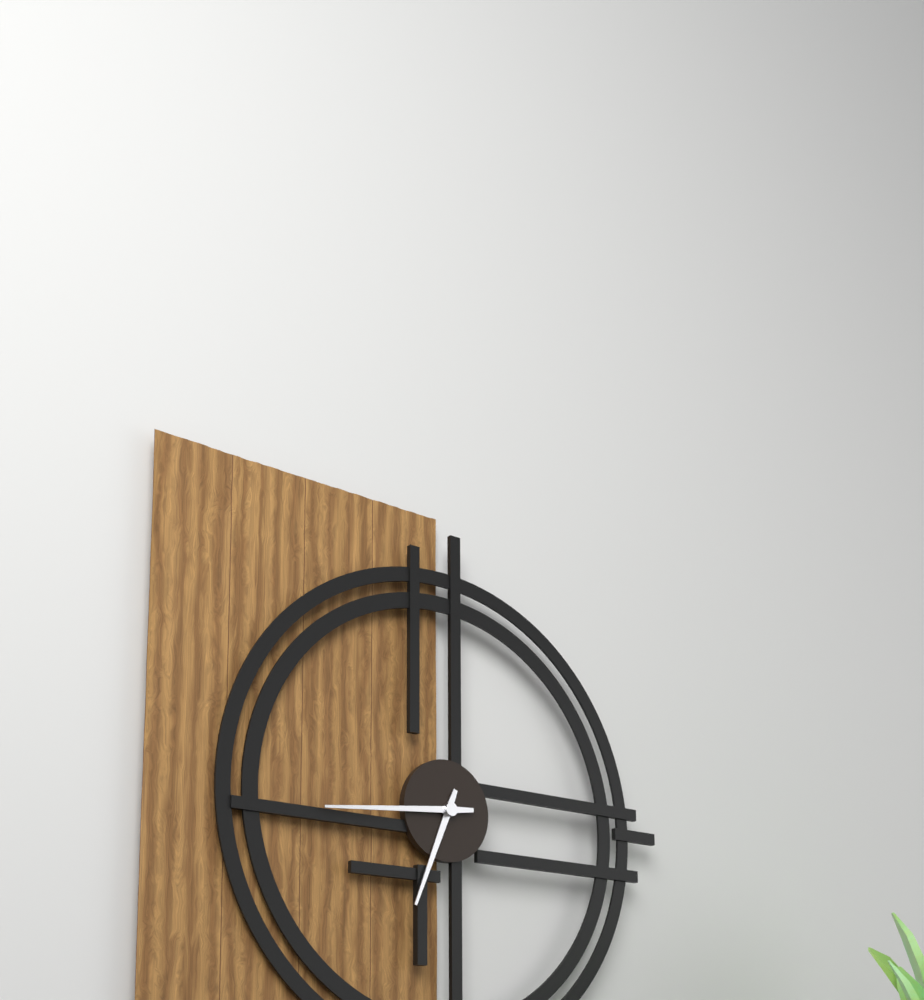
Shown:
6h44
